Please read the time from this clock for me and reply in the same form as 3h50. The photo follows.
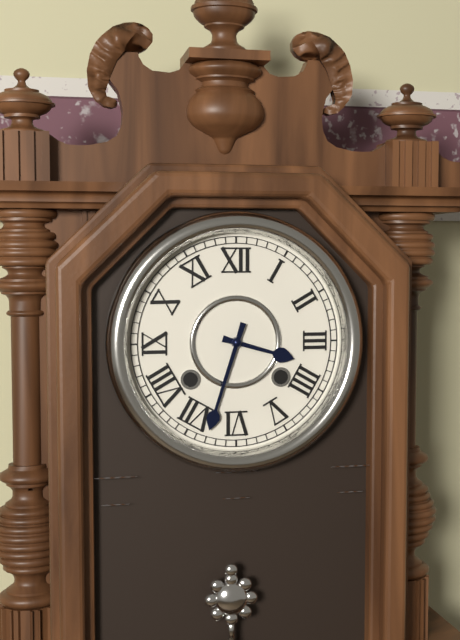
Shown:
3h33
